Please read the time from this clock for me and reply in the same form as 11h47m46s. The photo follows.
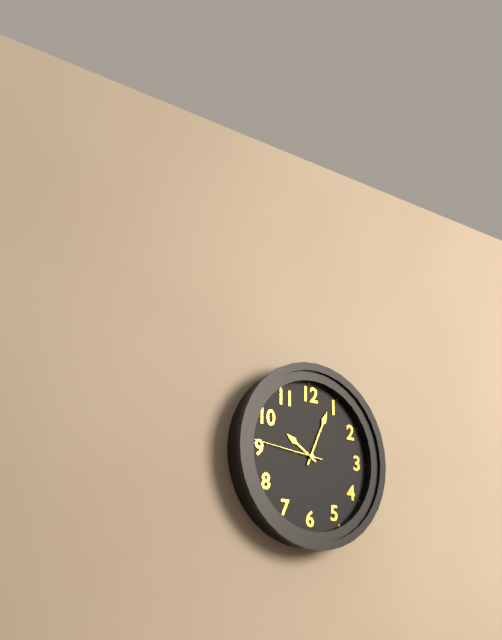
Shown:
10h04m46s
